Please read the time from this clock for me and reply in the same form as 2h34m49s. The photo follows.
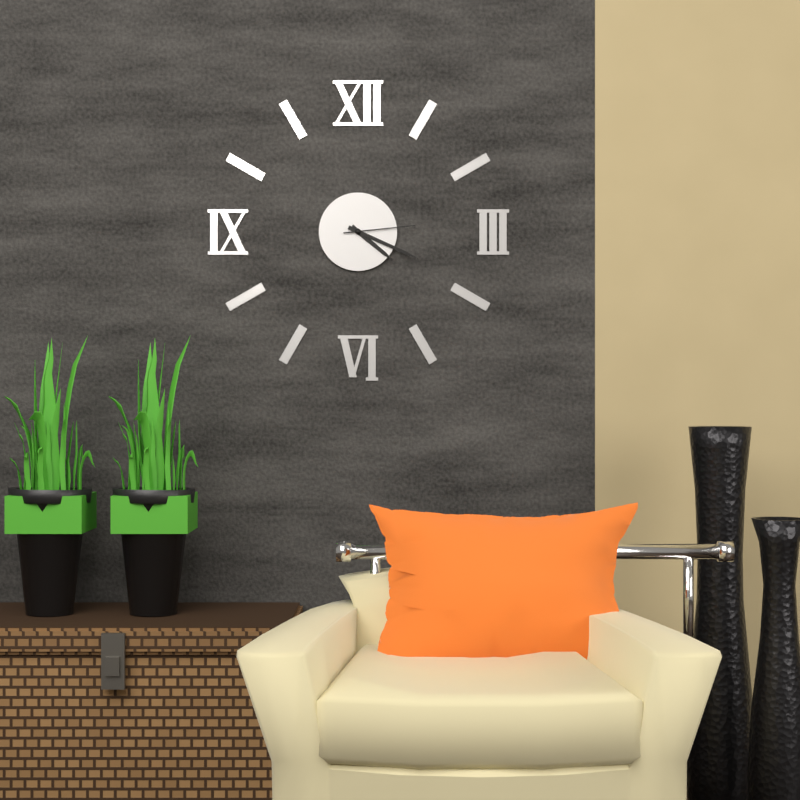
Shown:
4h19m14s
